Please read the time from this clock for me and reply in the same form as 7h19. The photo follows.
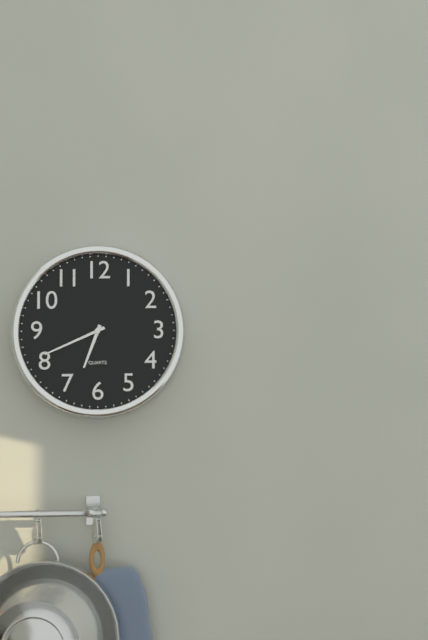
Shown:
6h41
